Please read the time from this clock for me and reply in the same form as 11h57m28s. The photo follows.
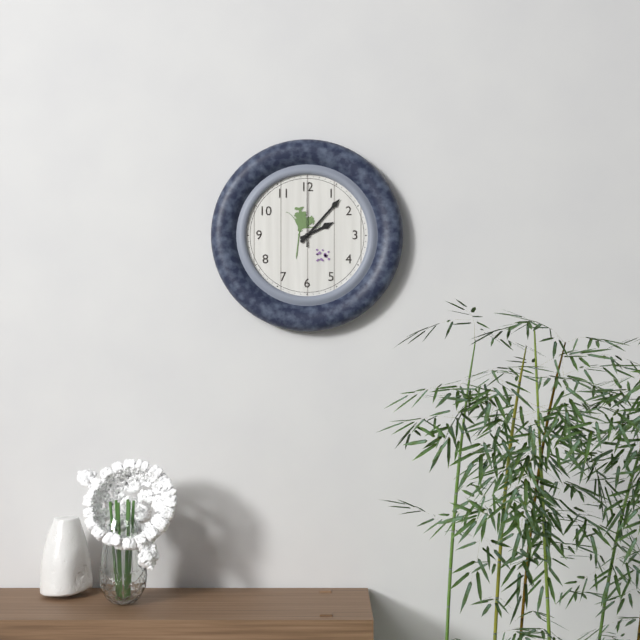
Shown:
2h07m00s
